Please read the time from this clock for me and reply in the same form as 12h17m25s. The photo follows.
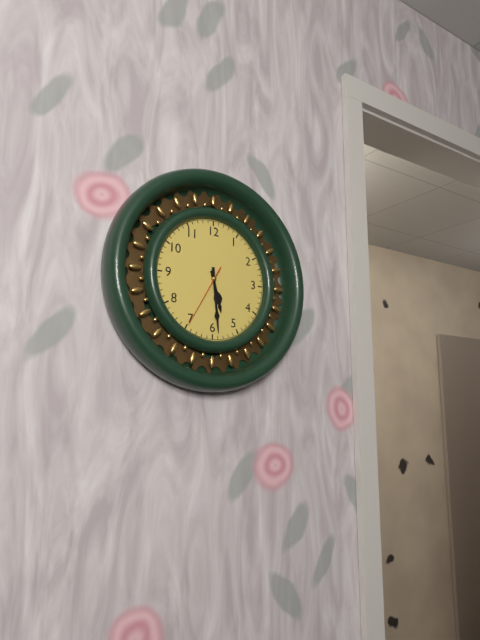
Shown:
5h29m35s
